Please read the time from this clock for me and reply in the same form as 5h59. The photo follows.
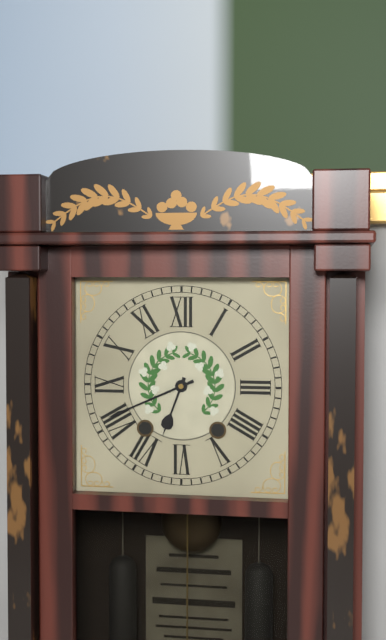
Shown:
6h41
